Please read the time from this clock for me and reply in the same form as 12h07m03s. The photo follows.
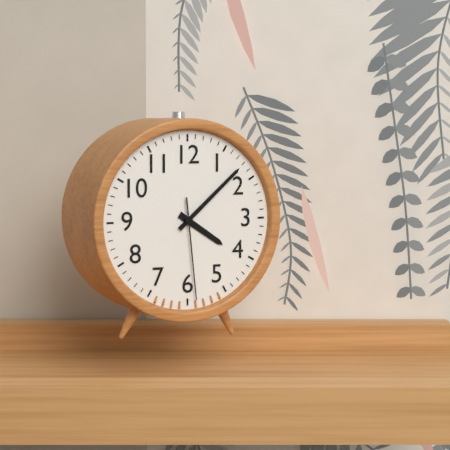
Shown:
4h08m29s
